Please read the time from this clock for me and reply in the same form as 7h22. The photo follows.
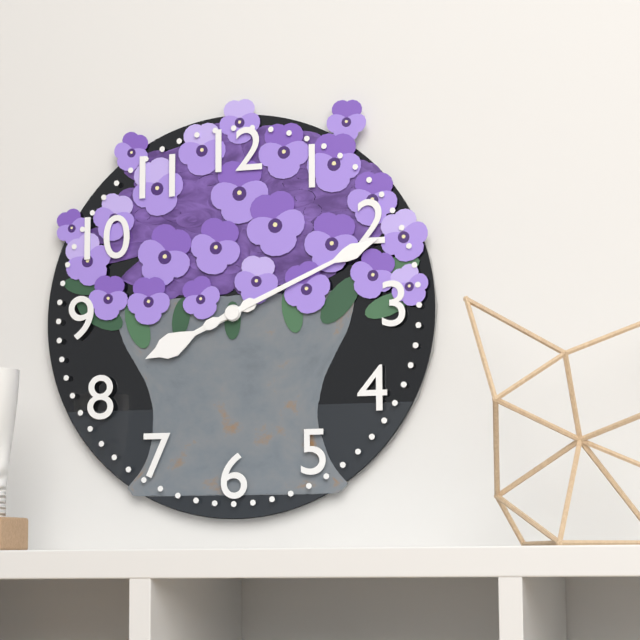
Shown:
8h11
